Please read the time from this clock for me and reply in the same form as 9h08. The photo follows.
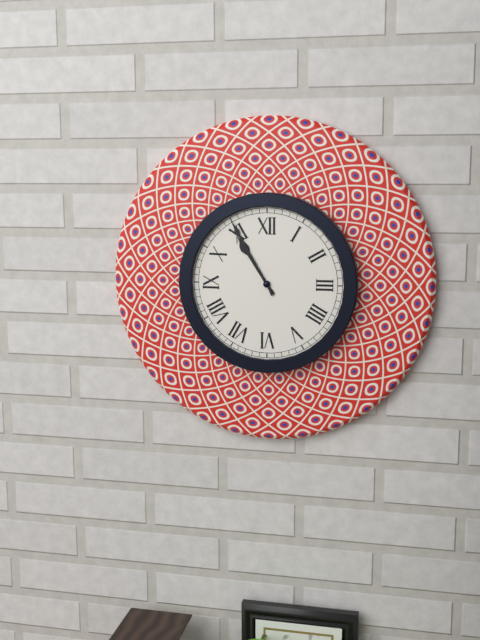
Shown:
10h55
